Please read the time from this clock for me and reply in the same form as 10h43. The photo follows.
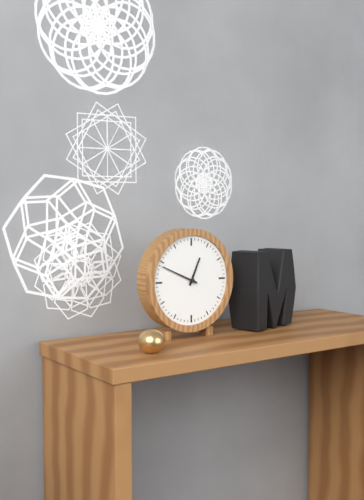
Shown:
12h49
